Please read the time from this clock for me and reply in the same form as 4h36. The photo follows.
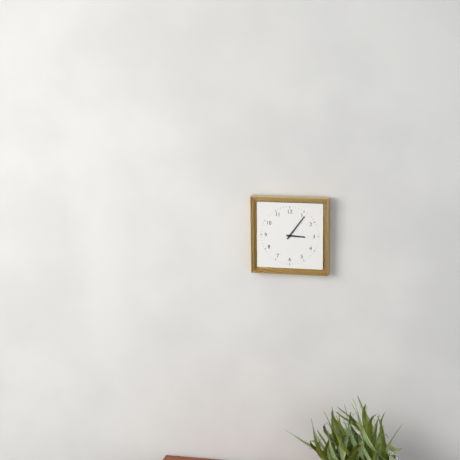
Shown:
3h06
